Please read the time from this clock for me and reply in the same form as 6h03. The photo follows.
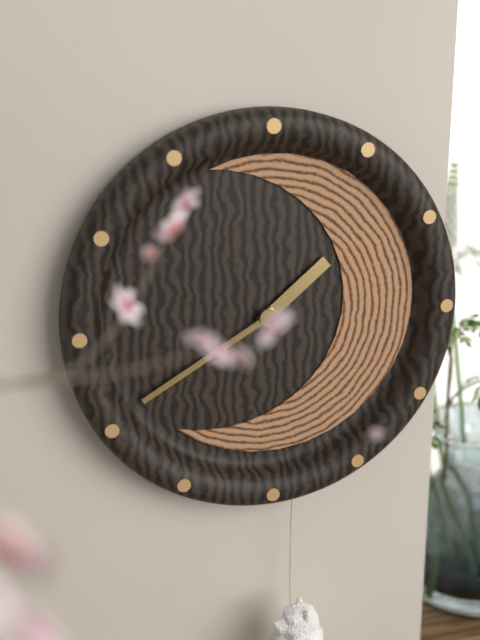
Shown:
1h40
